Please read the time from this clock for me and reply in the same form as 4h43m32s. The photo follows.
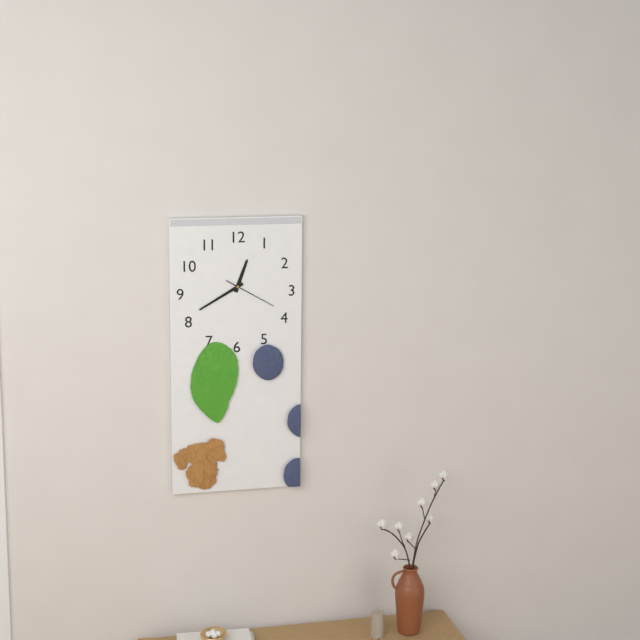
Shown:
12h40m20s
